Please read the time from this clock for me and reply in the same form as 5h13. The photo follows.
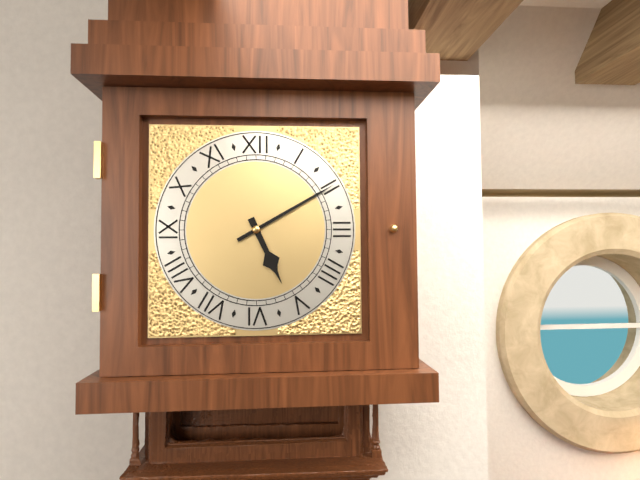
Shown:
5h10
